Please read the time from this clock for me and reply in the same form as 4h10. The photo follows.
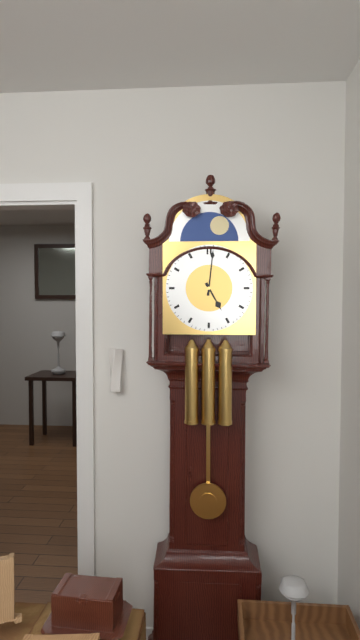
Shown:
5h01
